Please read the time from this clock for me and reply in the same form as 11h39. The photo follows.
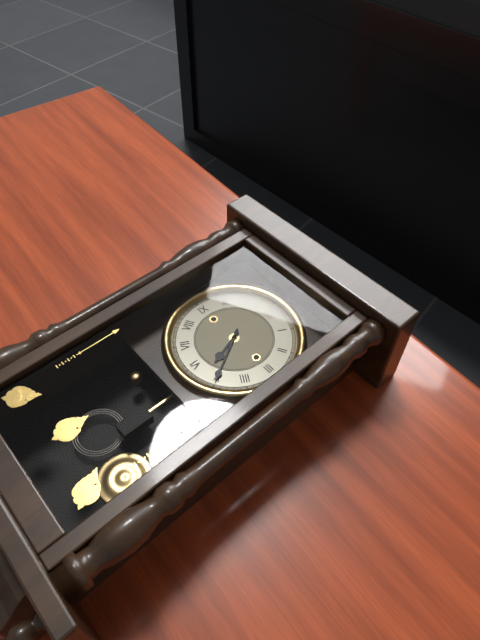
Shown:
5h25
